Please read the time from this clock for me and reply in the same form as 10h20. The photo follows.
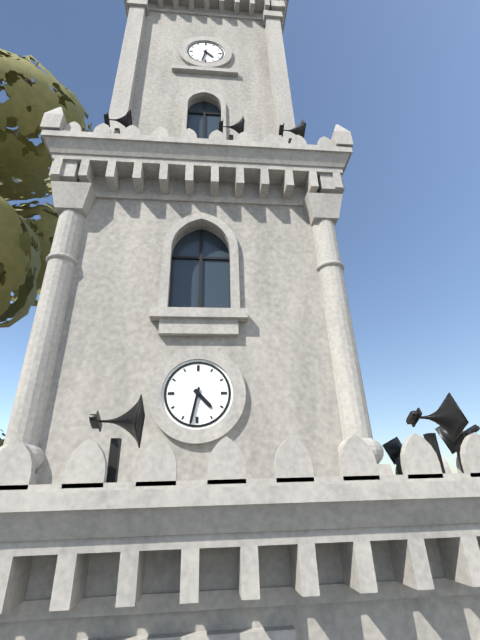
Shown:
4h32
